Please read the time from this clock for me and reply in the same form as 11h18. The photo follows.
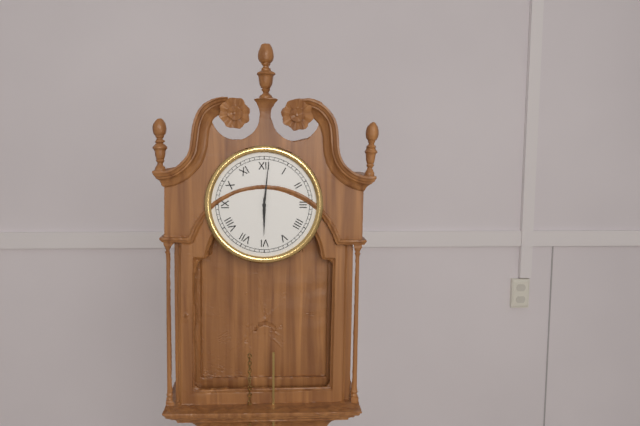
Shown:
6h01
